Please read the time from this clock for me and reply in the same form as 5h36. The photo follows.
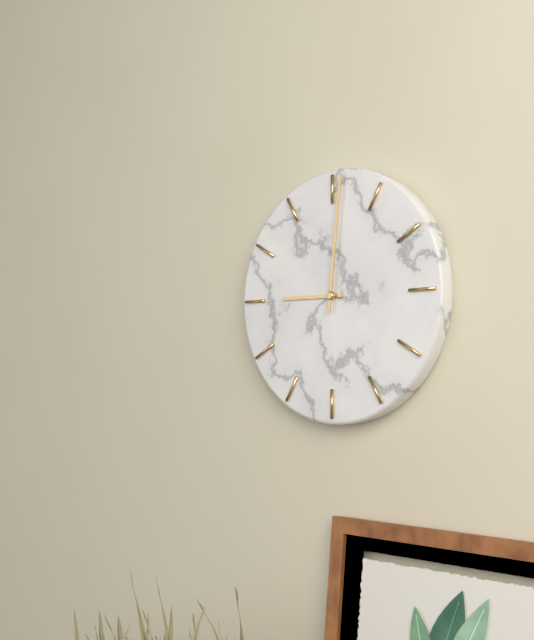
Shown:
9h01
